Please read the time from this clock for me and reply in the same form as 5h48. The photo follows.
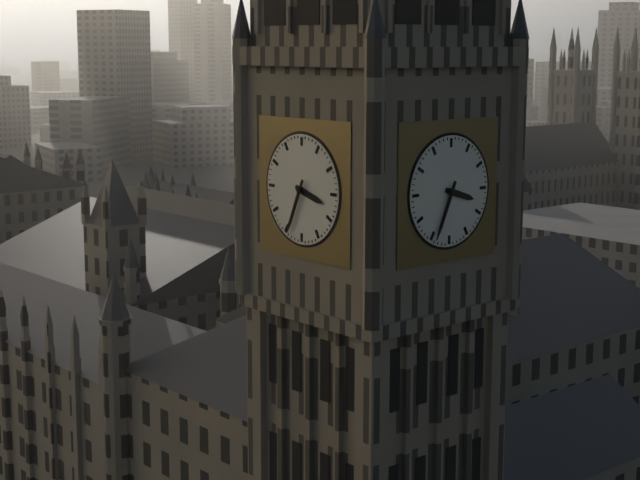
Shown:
3h34
